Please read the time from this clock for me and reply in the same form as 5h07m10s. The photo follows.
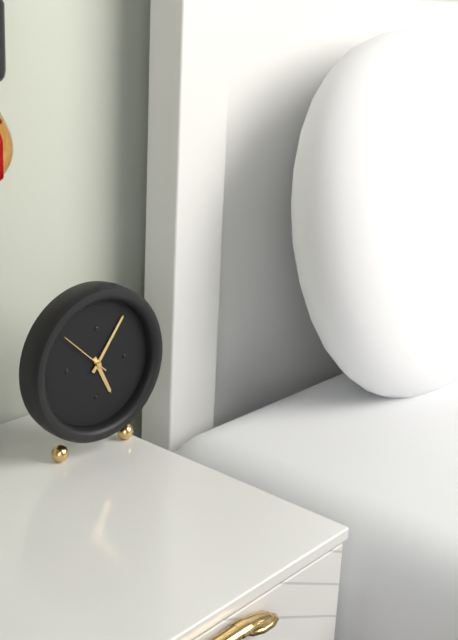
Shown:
5h06m52s
